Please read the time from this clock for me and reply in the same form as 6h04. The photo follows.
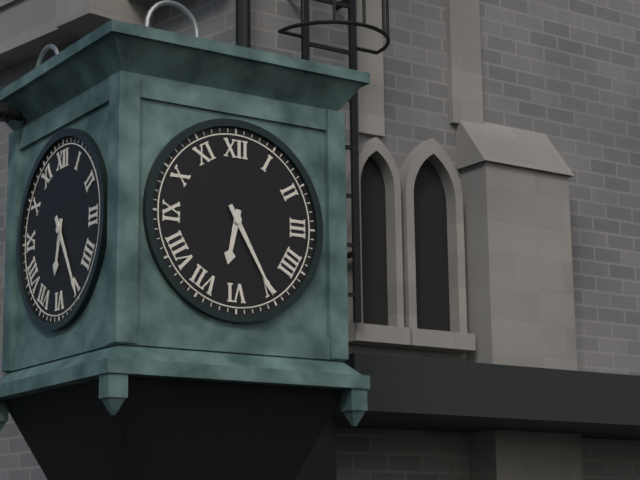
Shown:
6h25
